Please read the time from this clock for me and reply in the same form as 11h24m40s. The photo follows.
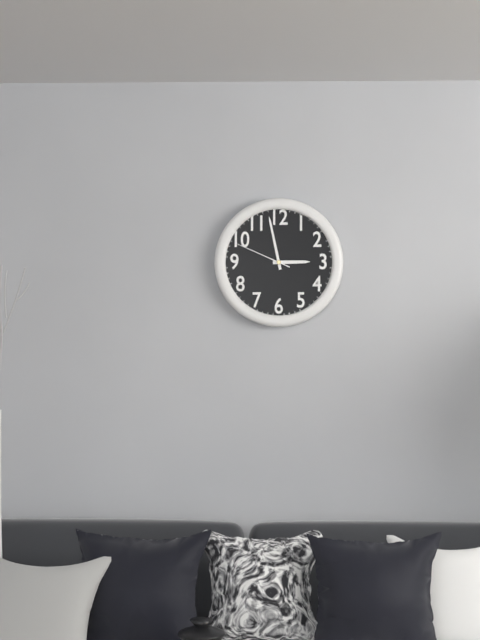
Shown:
2h58m49s
